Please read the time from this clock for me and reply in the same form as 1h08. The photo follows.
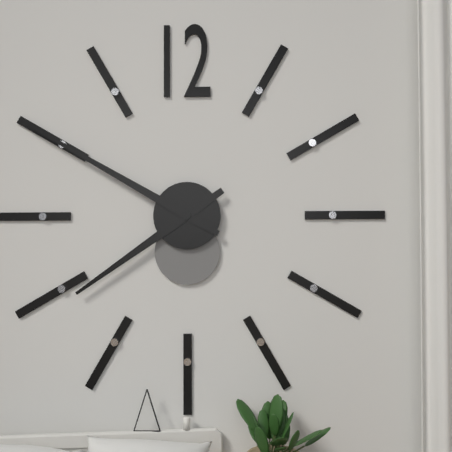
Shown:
7h50
